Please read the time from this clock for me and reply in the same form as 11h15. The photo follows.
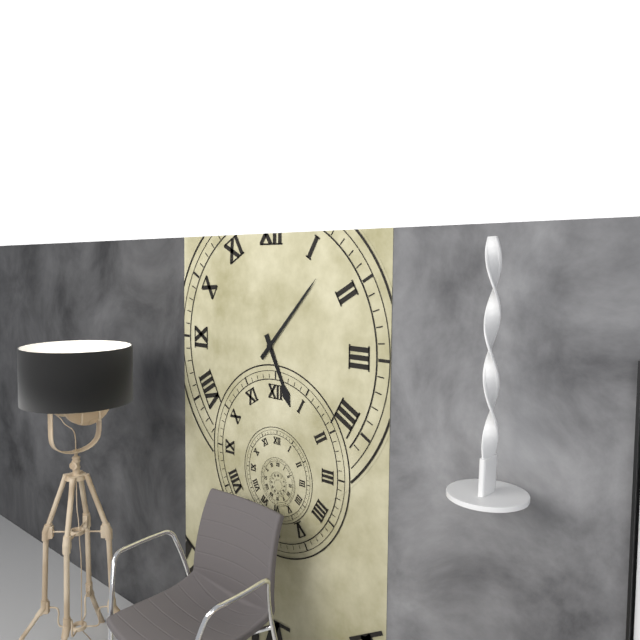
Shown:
5h07
